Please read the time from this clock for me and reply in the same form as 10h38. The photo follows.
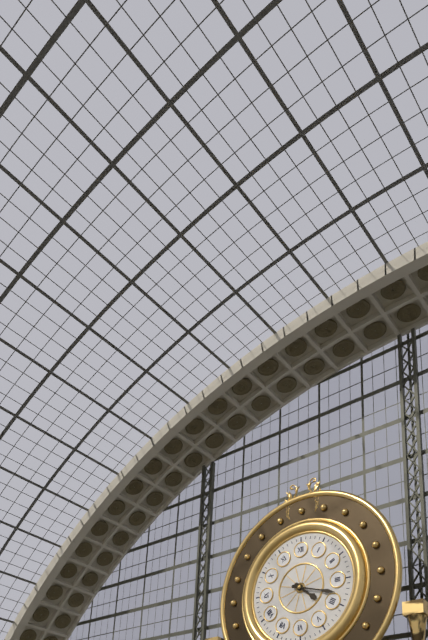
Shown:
4h18
